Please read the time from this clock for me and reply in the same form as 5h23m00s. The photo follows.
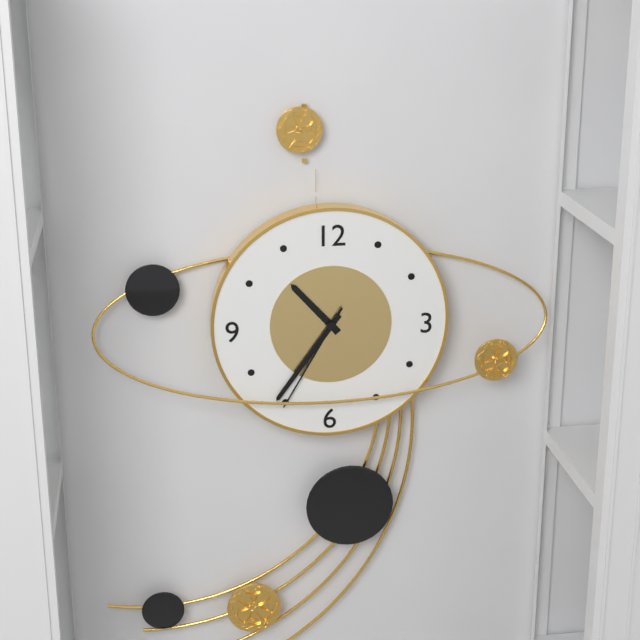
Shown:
10h36m35s
